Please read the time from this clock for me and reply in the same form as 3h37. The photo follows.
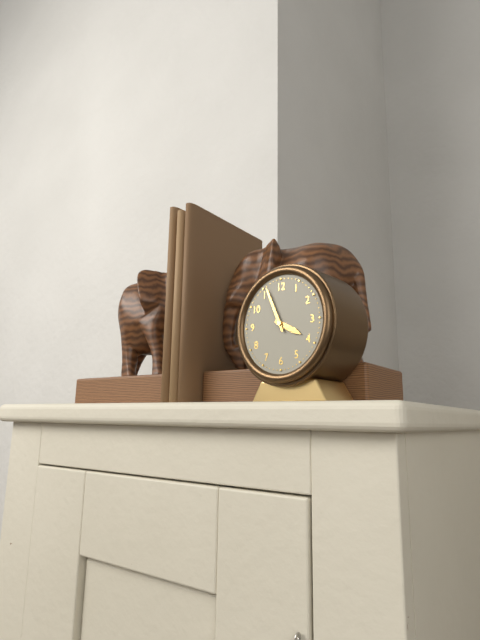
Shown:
3h56
